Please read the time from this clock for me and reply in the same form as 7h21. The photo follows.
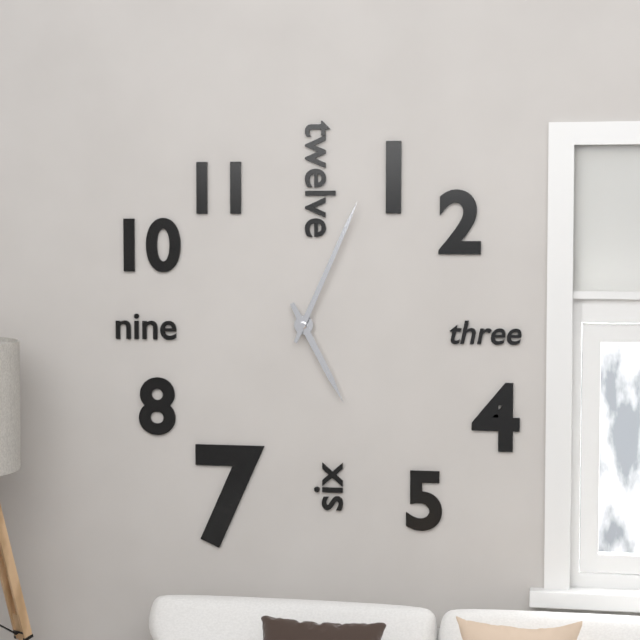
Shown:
5h04
